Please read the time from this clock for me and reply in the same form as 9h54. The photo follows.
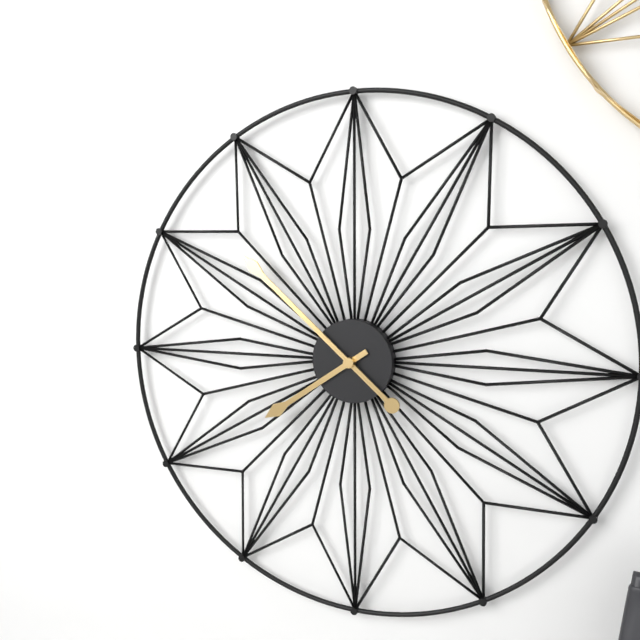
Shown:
7h52
